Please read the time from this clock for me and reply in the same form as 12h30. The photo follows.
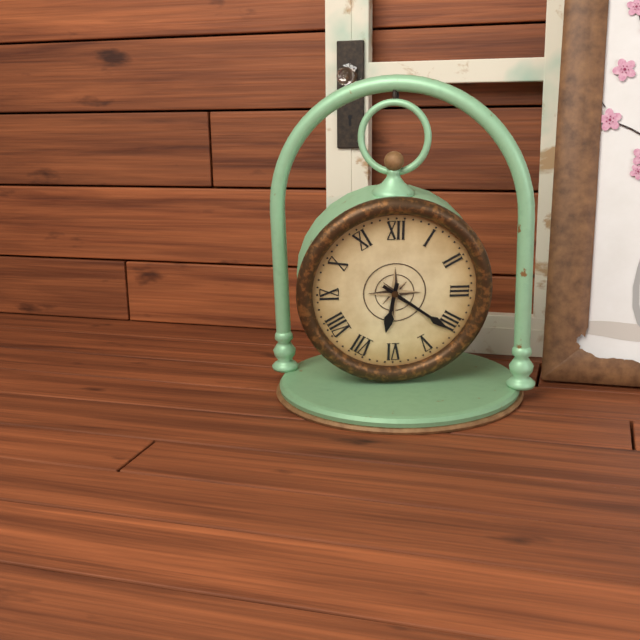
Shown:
6h21
